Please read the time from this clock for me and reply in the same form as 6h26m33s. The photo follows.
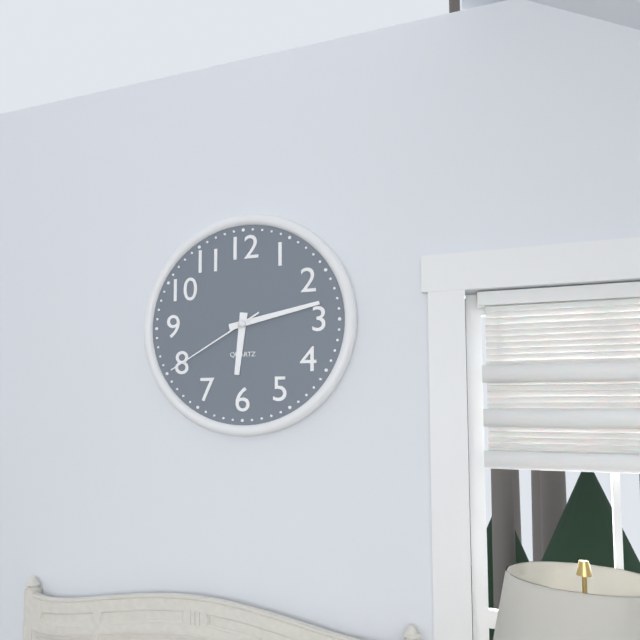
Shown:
6h13m40s
